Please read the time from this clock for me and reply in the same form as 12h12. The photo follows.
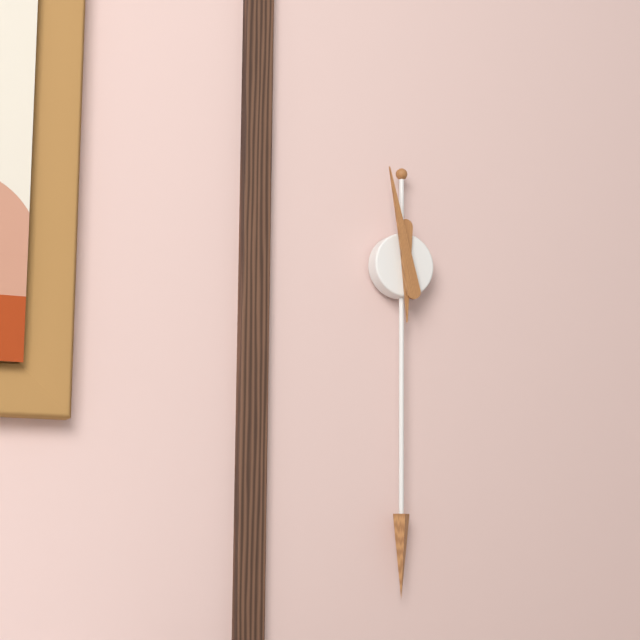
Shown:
5h58
